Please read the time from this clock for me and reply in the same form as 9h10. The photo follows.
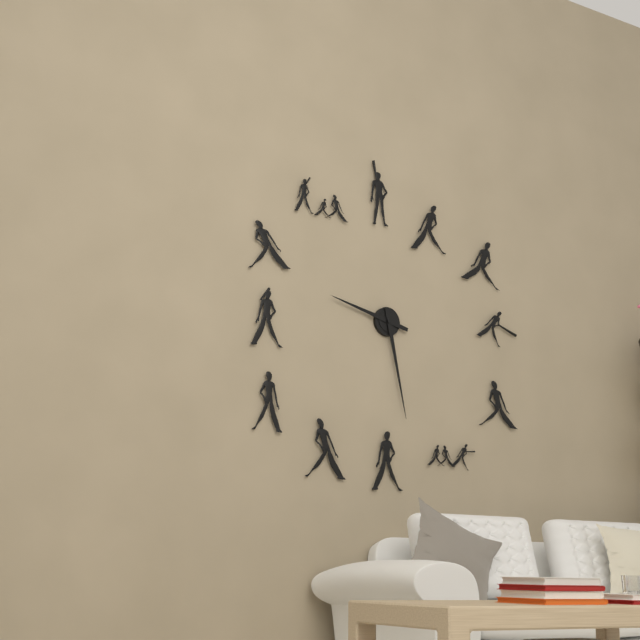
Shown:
9h28
